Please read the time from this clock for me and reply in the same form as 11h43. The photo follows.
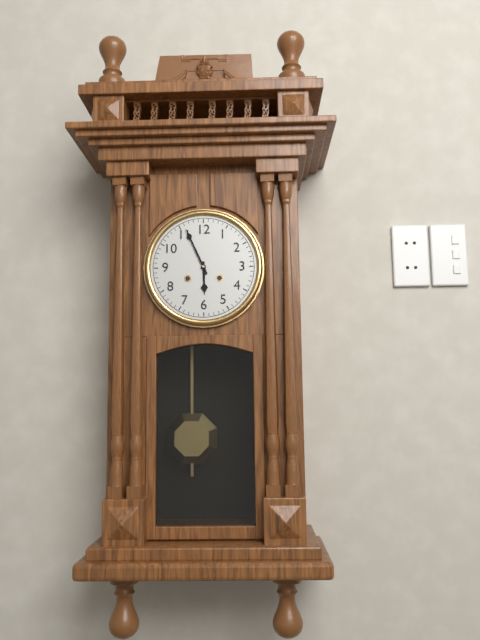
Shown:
5h56
